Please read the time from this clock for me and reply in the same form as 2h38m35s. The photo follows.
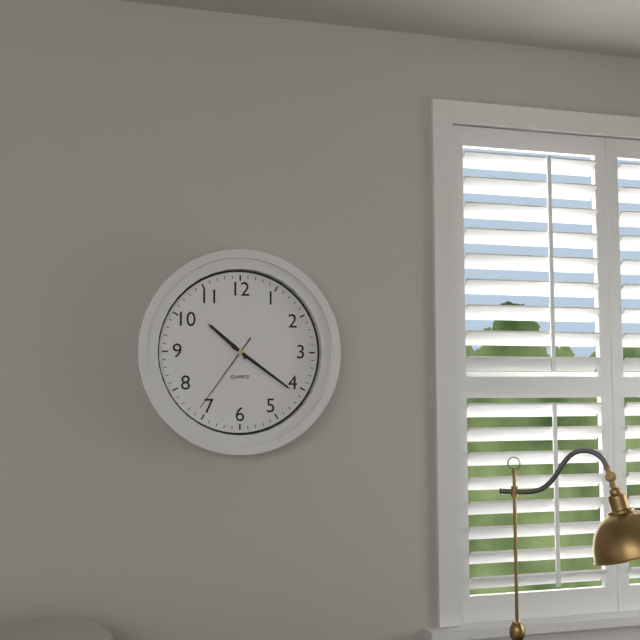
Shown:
10h21m36s
